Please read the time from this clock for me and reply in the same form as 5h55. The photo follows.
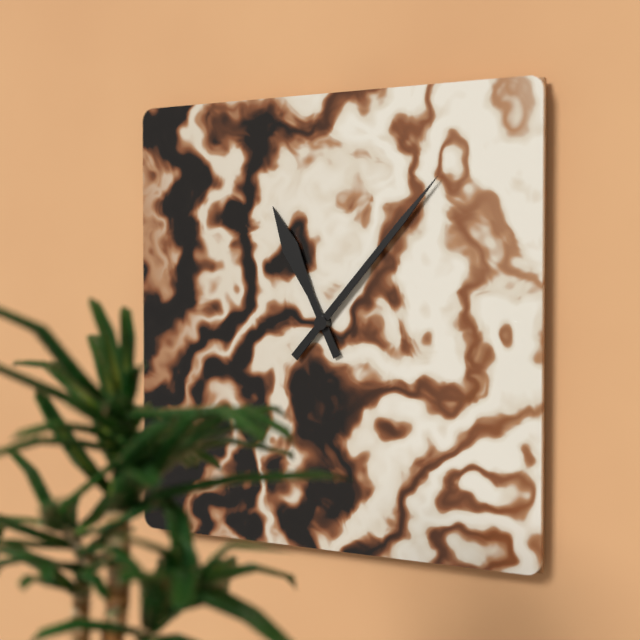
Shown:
11h07
